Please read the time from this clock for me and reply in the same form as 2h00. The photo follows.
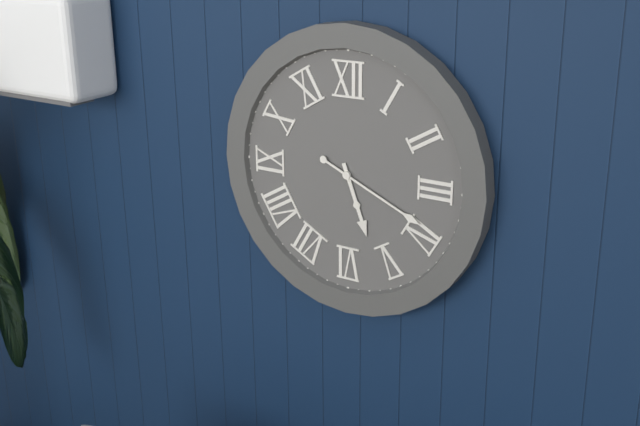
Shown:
5h19
